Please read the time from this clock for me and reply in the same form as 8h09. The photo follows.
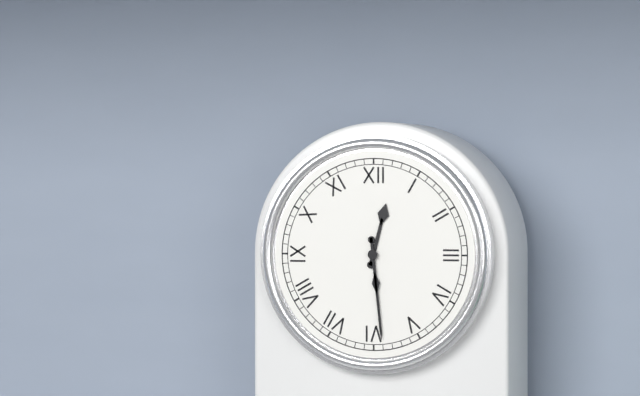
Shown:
12h29
